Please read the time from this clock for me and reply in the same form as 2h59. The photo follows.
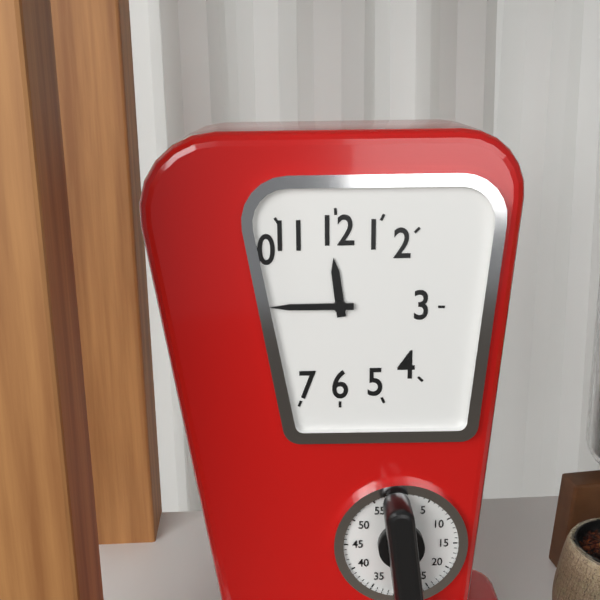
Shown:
11h45
